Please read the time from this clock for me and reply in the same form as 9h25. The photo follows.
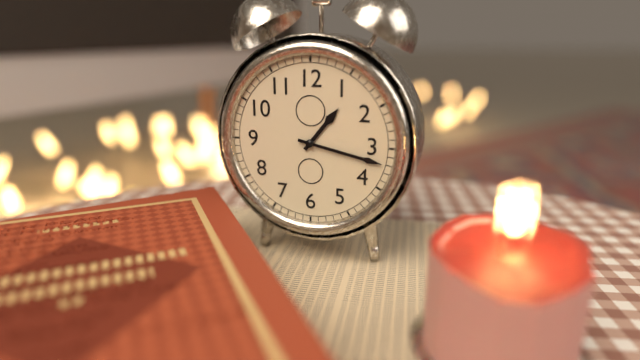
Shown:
1h17
